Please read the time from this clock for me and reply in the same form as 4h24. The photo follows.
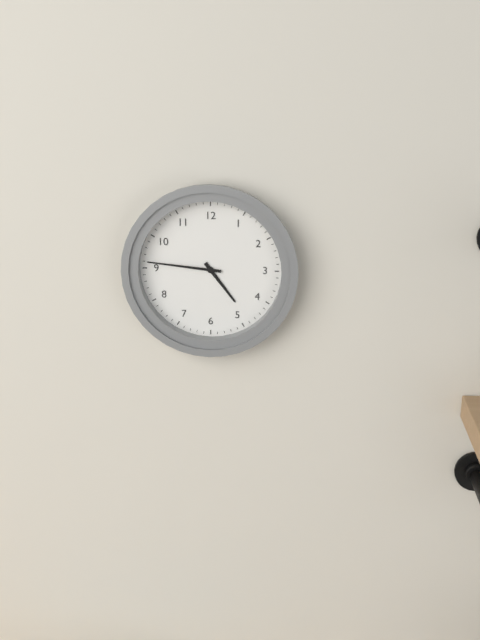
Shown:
4h46
